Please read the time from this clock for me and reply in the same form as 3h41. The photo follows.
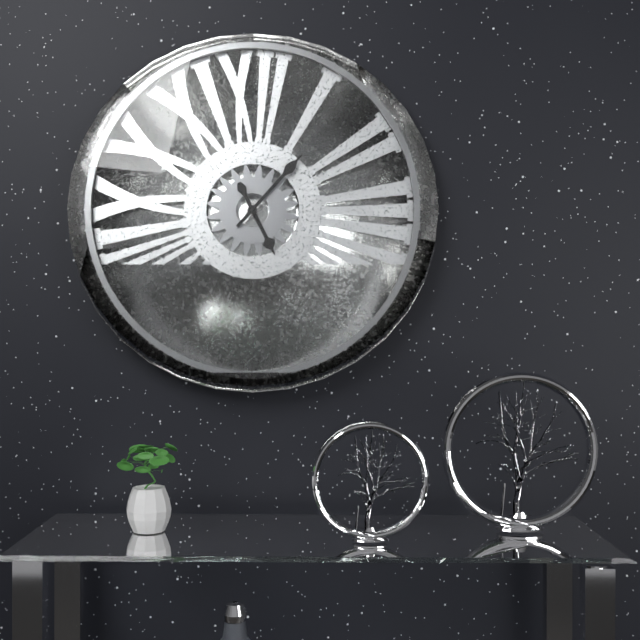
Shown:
5h07
